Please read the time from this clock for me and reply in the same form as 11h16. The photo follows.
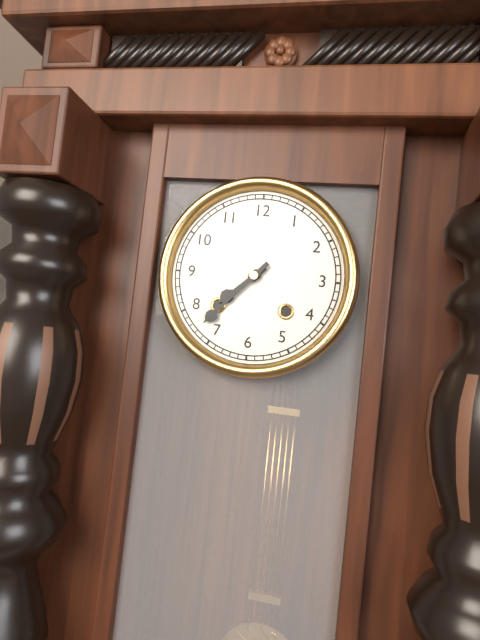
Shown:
7h37
